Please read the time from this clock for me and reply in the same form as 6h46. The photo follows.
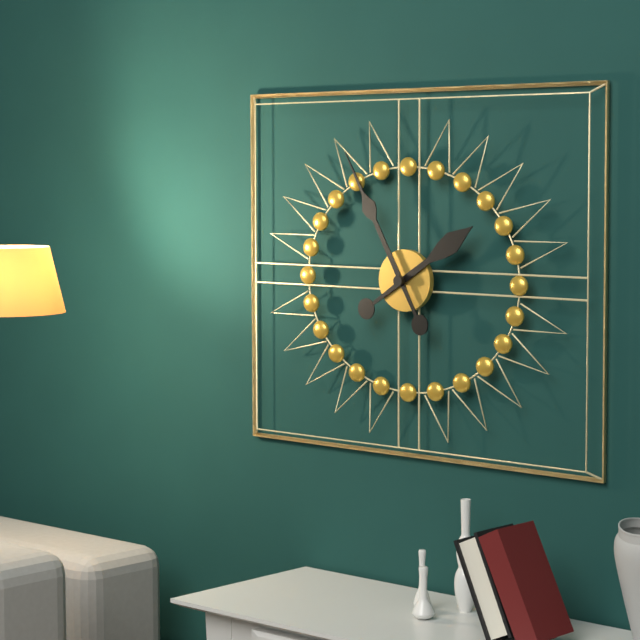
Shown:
1h55
